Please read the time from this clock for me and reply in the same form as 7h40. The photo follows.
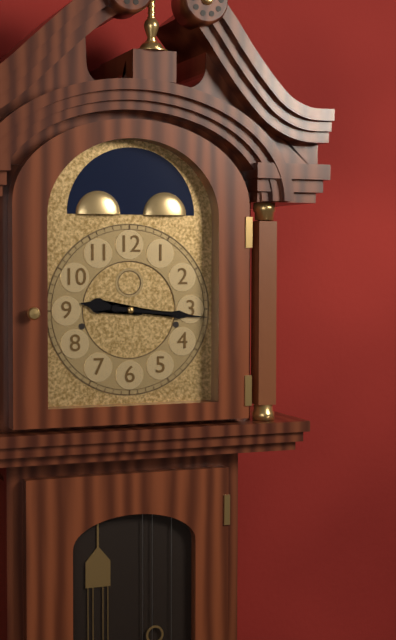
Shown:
9h16
